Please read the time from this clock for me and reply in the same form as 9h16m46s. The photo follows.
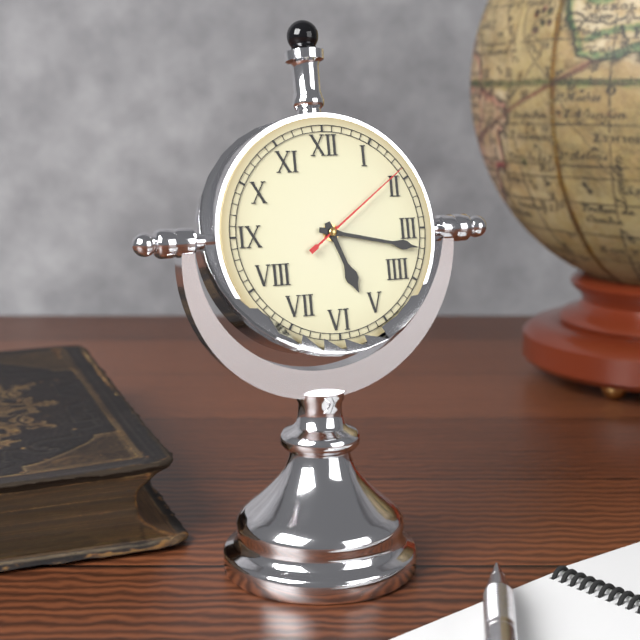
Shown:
5h17m09s
